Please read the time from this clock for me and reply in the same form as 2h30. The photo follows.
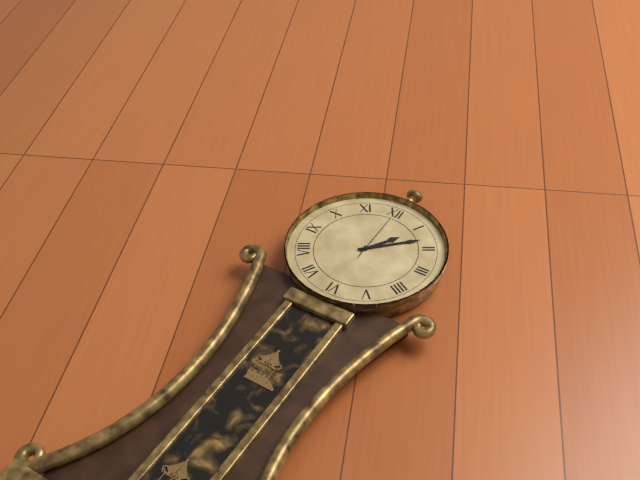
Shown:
1h08
